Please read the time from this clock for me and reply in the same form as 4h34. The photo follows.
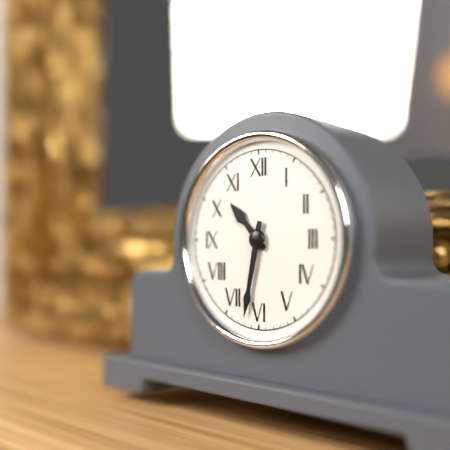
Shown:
10h32
